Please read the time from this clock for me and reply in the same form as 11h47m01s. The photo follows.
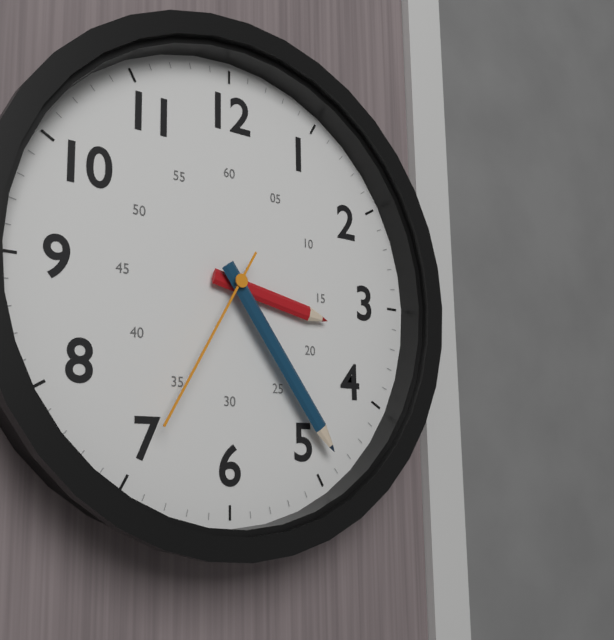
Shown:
3h24m35s
